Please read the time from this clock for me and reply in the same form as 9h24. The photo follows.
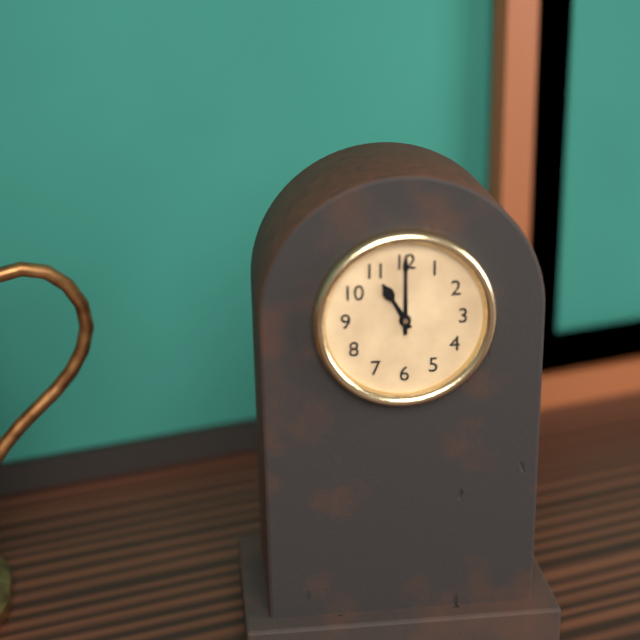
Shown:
11h00
